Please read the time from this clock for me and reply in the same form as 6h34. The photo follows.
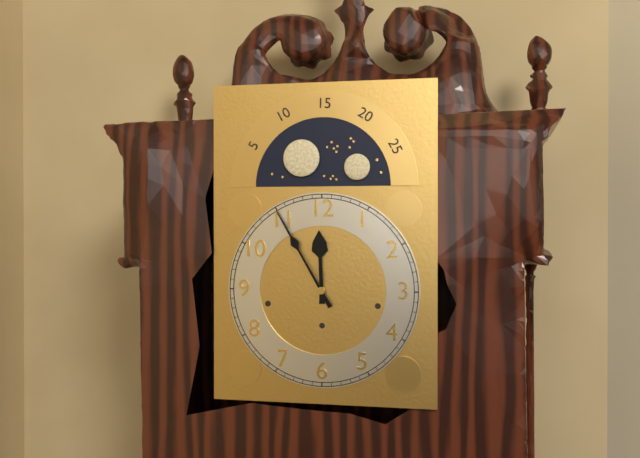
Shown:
11h55
